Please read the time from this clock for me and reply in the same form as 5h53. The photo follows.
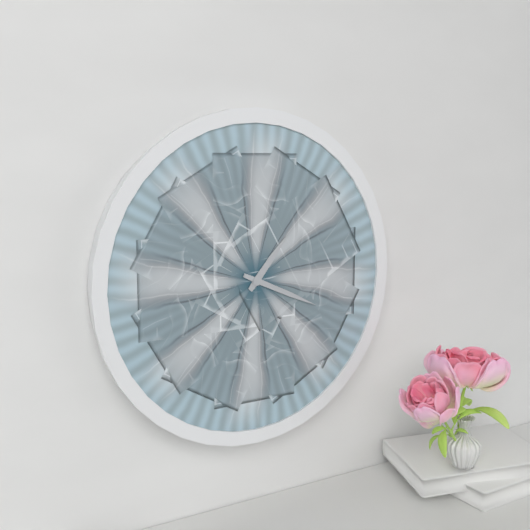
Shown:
1h19
